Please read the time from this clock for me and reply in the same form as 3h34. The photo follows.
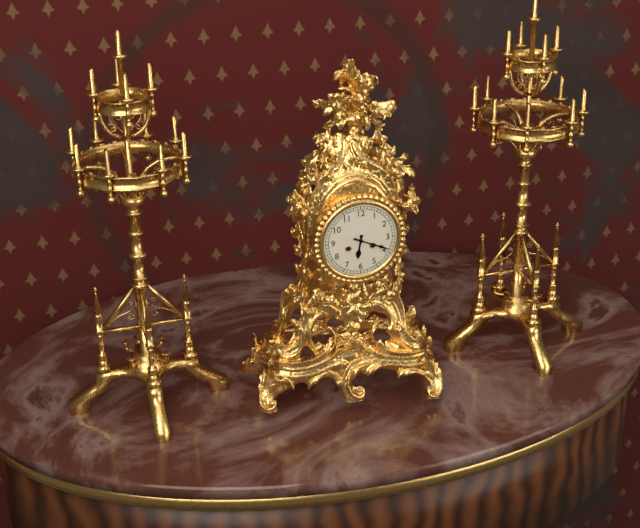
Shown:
6h19
